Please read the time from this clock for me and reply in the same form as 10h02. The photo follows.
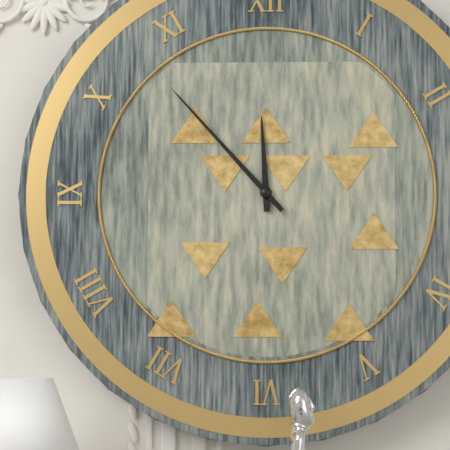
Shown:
11h53
